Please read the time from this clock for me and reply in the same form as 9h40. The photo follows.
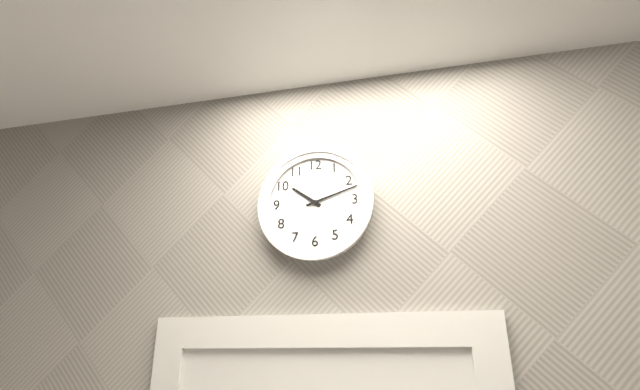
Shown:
10h12
